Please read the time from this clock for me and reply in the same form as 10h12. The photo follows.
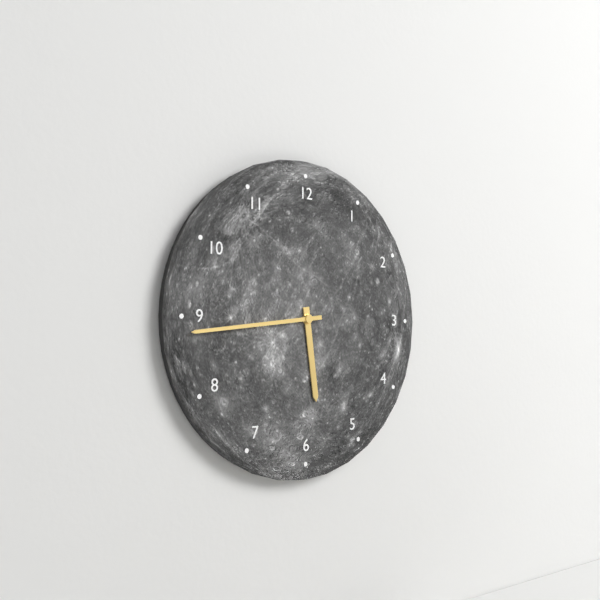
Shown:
5h44
